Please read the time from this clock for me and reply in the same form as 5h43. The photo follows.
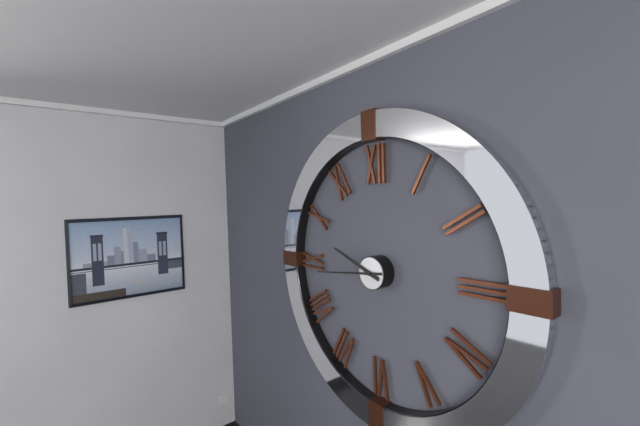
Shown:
9h44
